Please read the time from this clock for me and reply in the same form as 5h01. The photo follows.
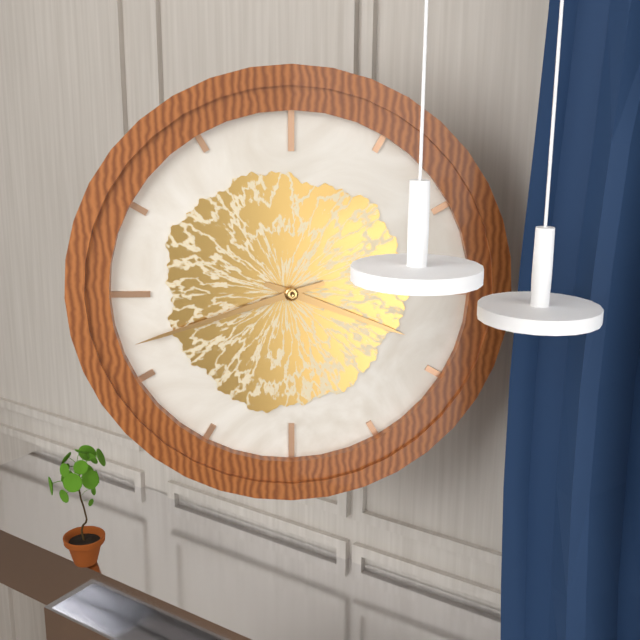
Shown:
3h42
